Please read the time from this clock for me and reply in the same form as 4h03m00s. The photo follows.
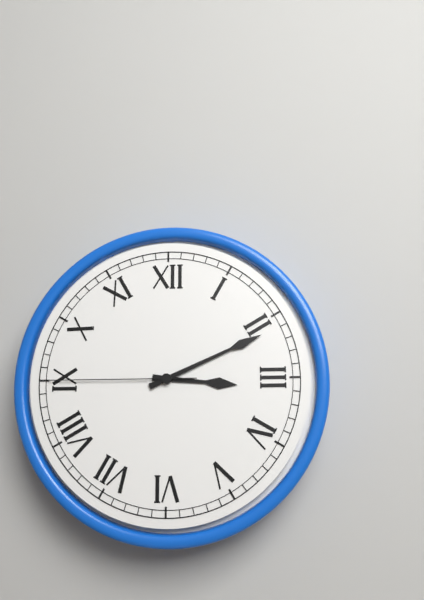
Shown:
3h11m45s
